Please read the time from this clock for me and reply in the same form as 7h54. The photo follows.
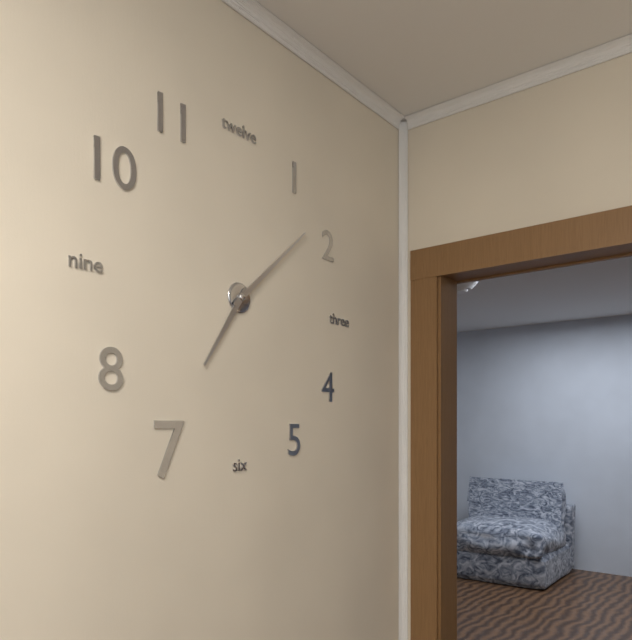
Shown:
7h08
